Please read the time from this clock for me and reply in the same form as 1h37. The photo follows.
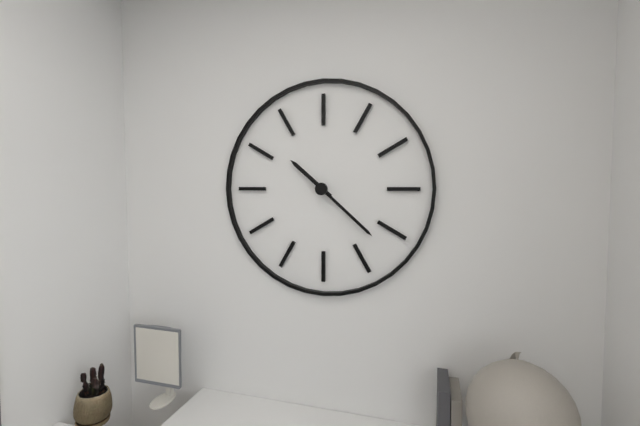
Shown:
10h22
